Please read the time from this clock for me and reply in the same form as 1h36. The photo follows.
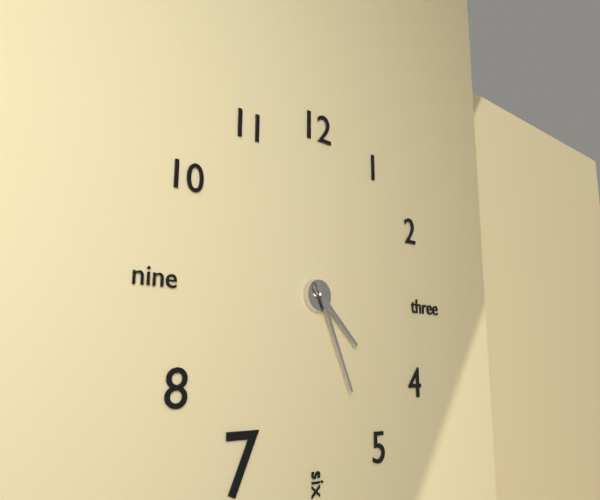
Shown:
4h26
